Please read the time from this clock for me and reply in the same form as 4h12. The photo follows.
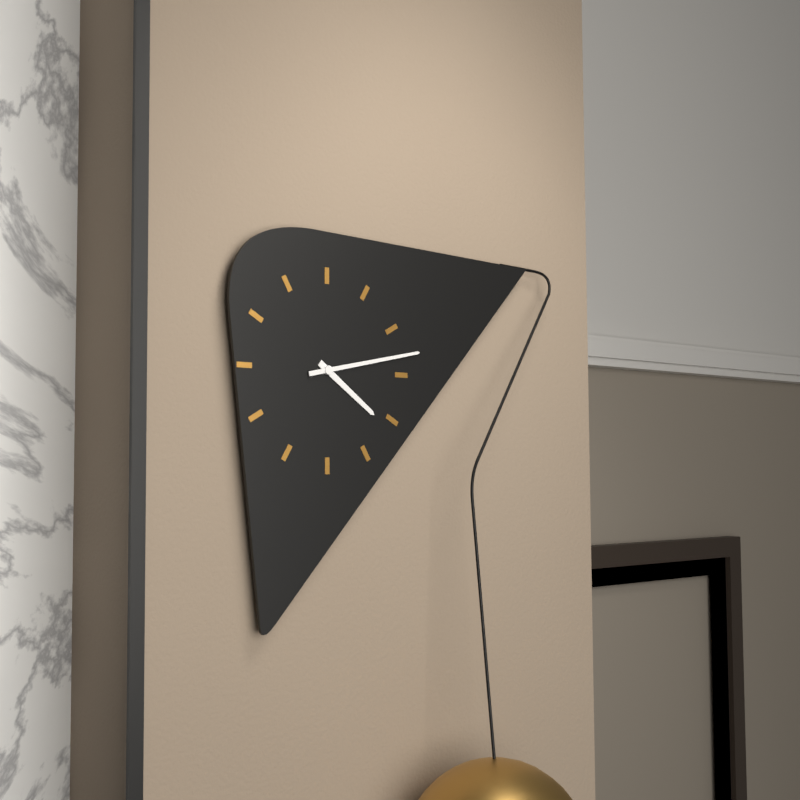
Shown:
4h13
